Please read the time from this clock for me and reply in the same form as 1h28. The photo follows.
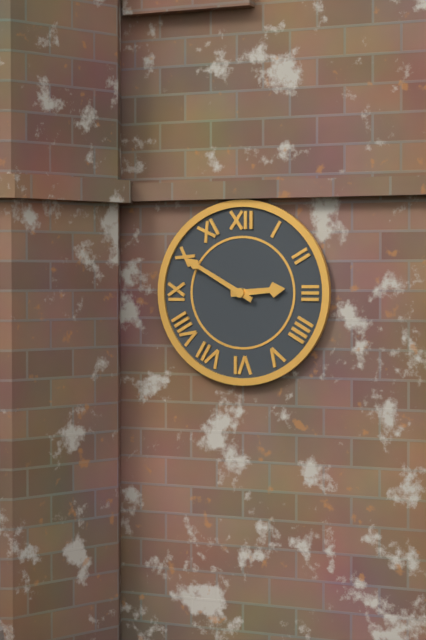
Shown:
2h50
